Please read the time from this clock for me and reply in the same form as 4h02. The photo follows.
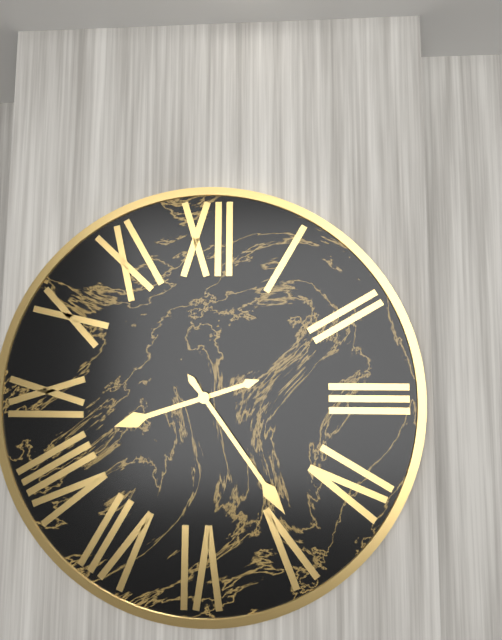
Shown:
8h24
